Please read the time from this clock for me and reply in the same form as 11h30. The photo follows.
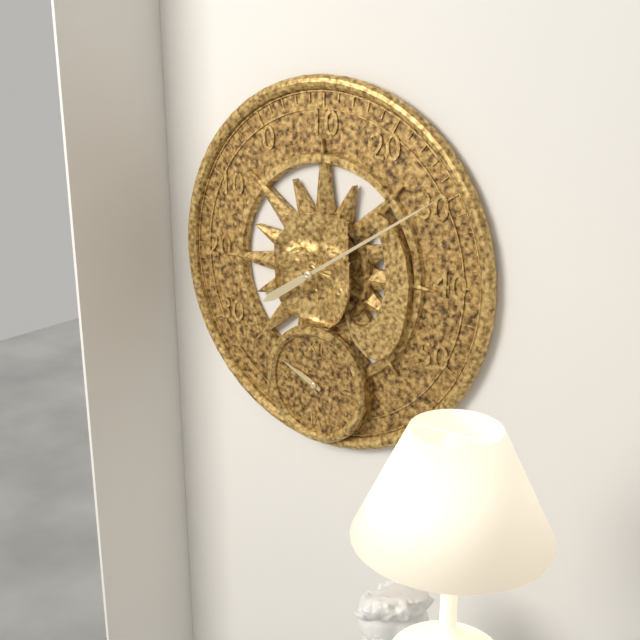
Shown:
9h49
